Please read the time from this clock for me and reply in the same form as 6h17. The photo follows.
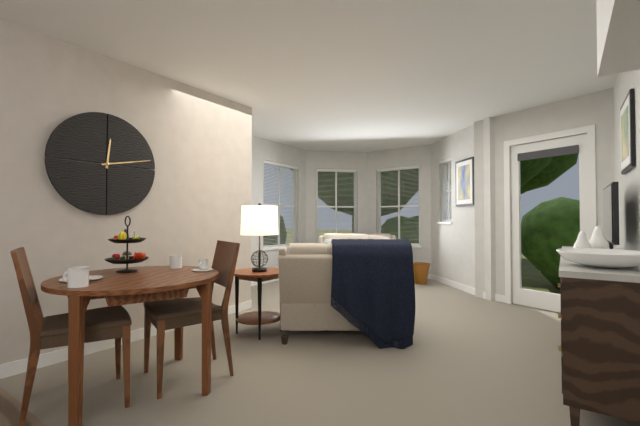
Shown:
12h13
